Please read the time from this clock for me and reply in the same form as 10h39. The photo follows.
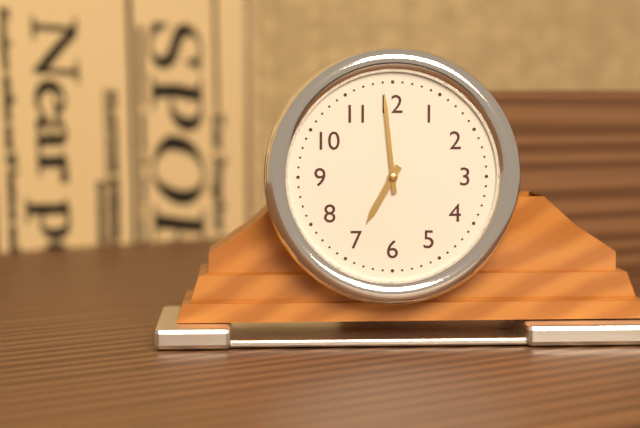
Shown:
6h59
